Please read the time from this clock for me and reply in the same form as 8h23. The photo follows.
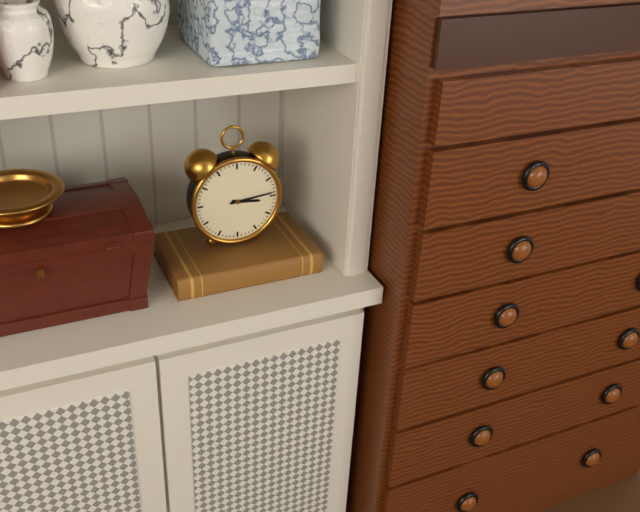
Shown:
3h14
